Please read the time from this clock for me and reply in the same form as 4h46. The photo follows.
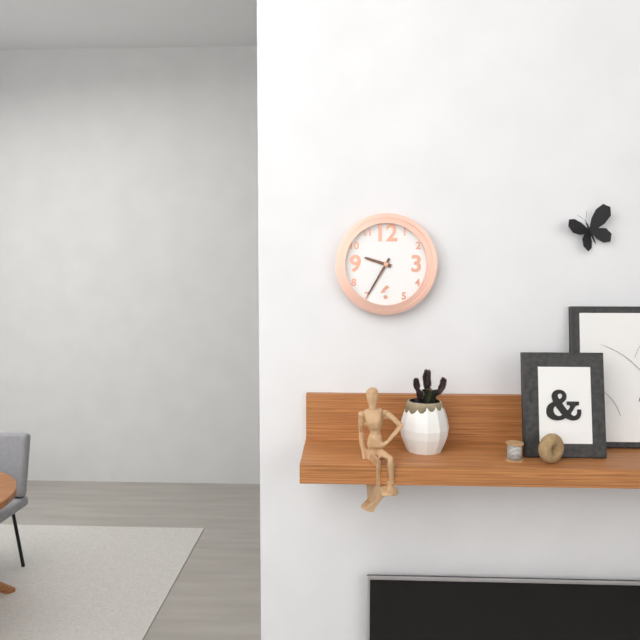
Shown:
9h35
